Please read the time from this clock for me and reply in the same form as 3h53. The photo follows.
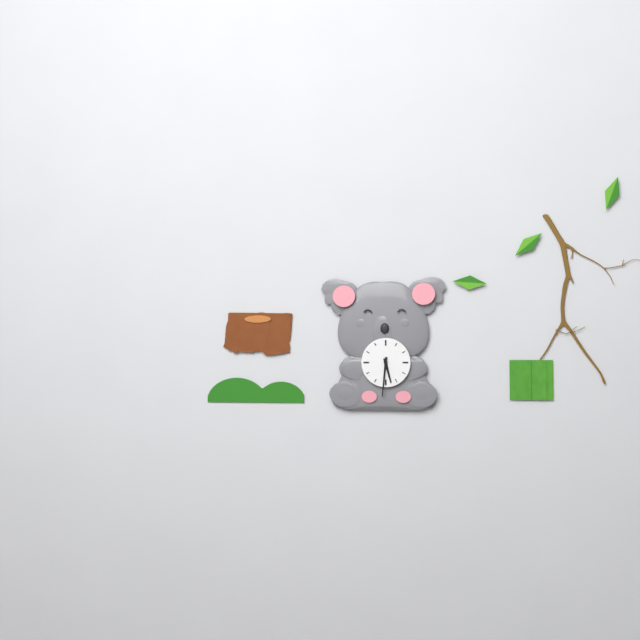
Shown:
5h31
